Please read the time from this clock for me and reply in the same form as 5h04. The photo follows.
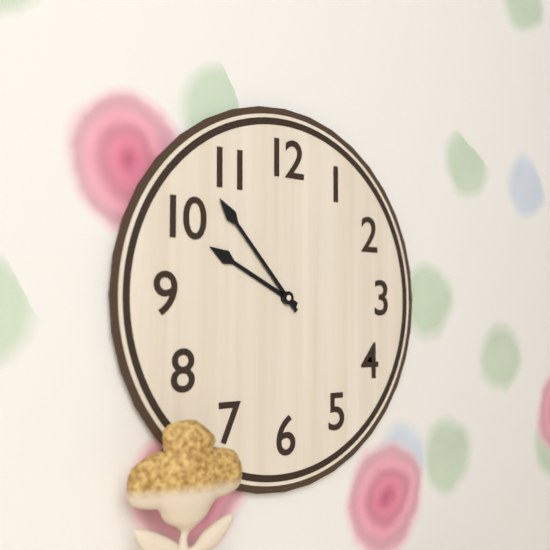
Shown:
9h53
